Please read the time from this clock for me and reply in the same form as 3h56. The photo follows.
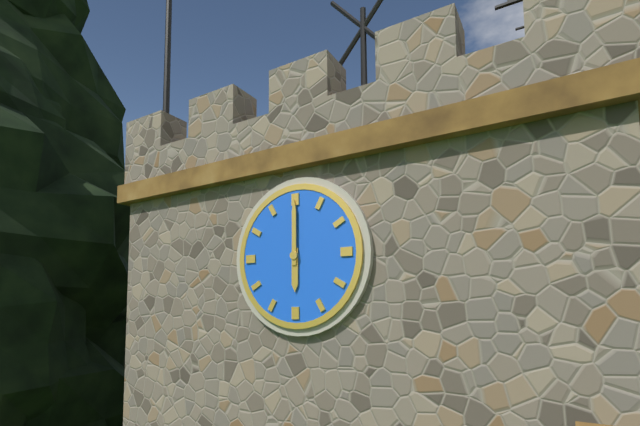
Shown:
6h00
